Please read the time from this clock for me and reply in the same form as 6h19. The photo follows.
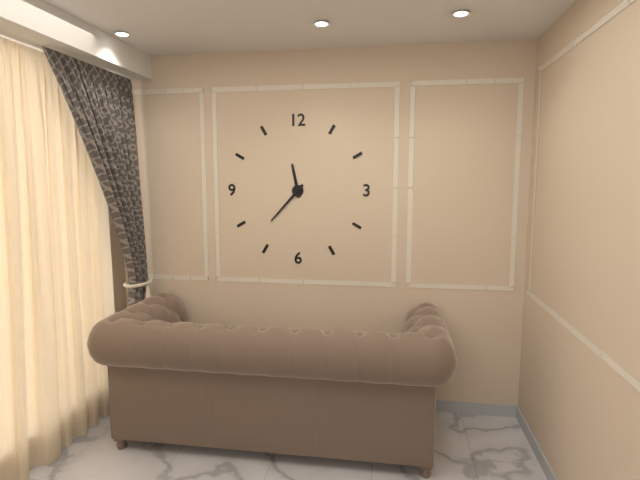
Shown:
11h37
